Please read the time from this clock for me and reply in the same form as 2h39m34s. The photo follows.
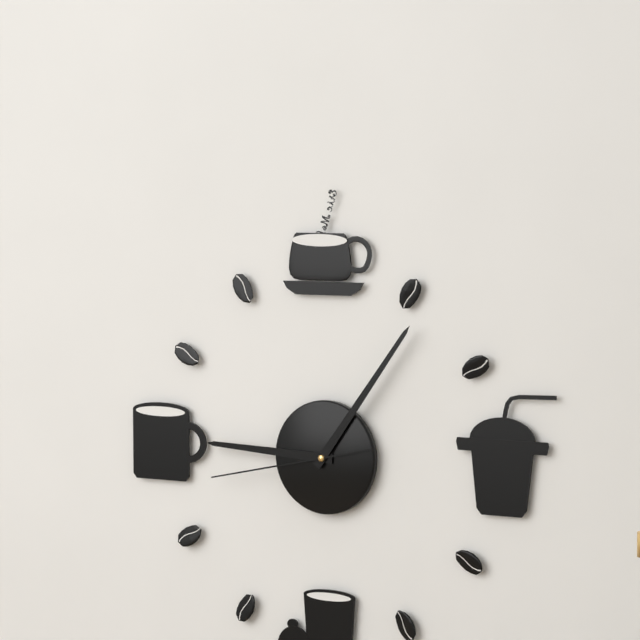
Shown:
9h06m43s
